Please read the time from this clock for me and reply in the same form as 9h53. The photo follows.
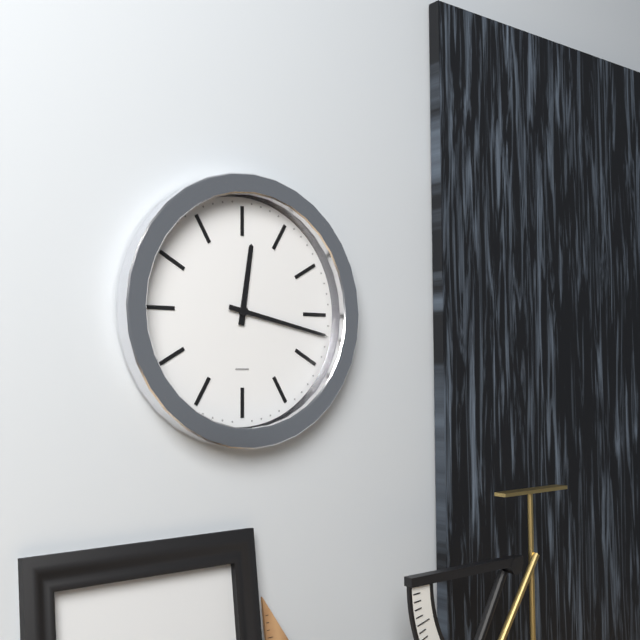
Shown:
12h17
